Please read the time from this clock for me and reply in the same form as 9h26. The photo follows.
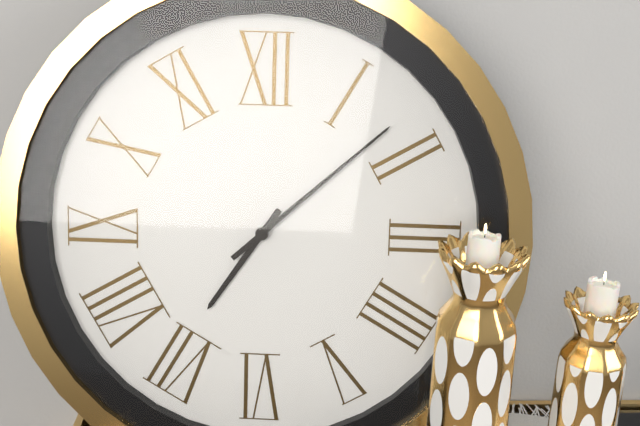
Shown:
7h08
